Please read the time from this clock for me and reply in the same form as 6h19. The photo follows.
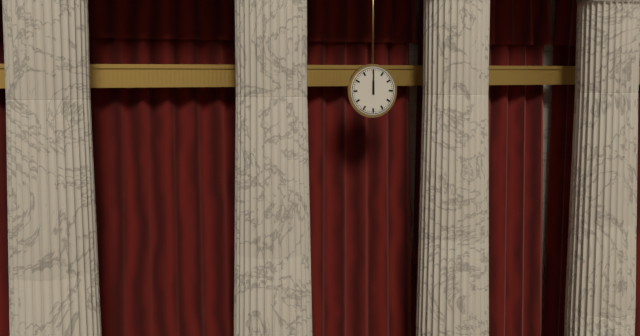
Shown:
12h00
